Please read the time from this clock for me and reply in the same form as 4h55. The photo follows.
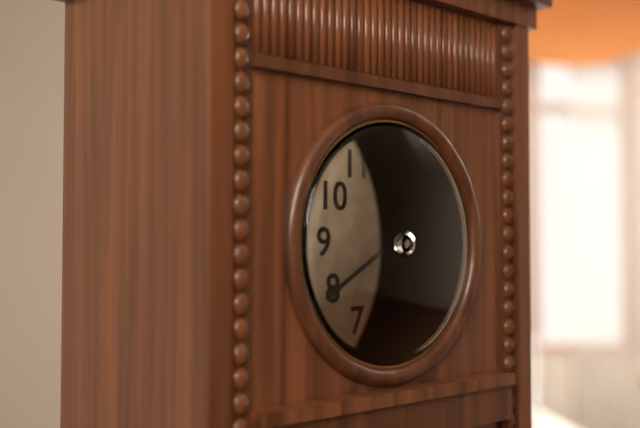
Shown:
1h40
